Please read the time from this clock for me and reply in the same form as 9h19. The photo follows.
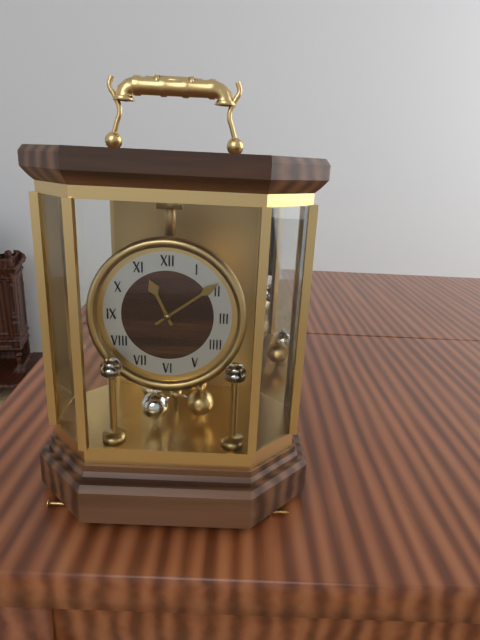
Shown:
11h09
